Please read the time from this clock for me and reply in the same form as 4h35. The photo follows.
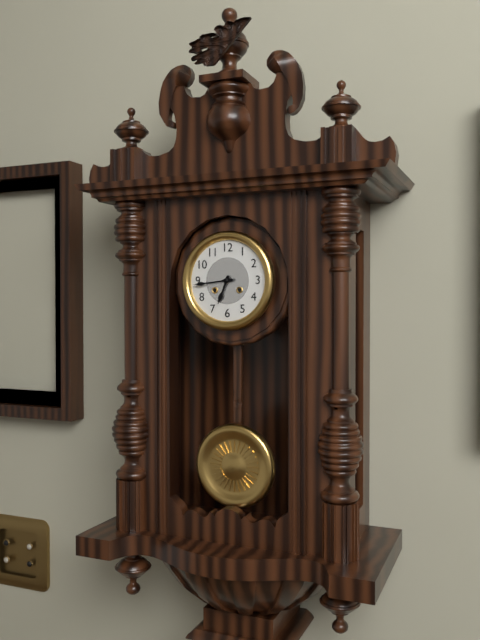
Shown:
6h44
